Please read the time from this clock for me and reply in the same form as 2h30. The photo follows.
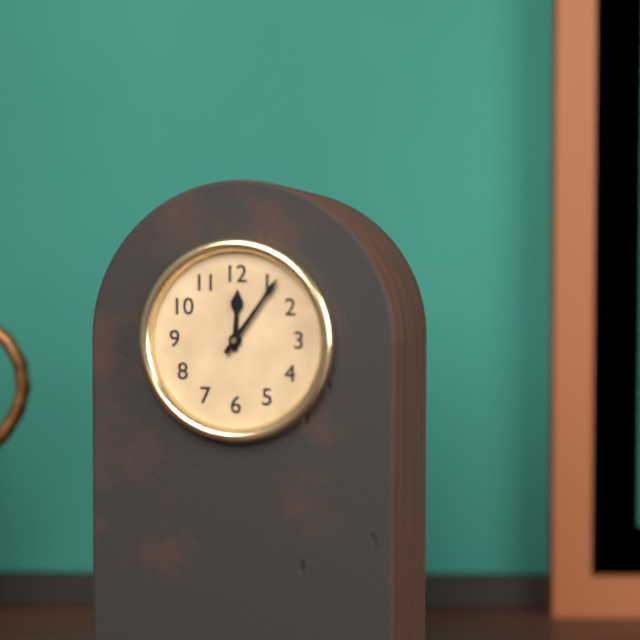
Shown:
12h06
